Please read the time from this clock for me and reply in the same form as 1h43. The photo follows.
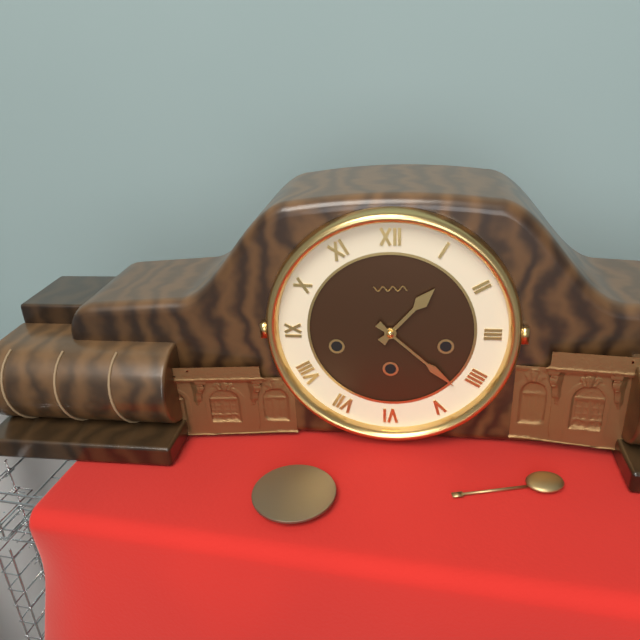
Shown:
1h22
